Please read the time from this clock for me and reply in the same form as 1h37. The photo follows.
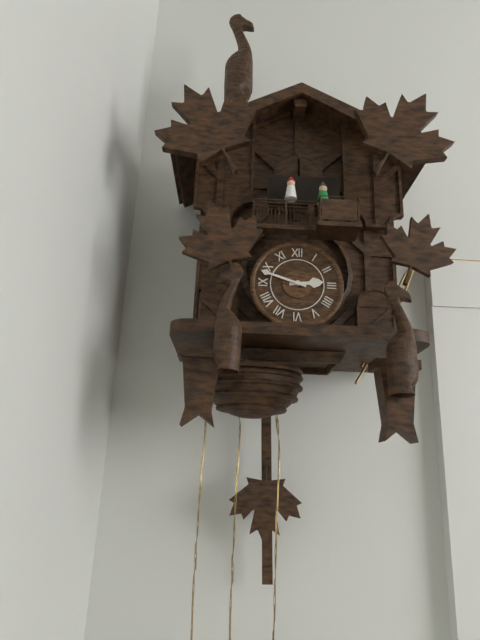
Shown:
2h48
